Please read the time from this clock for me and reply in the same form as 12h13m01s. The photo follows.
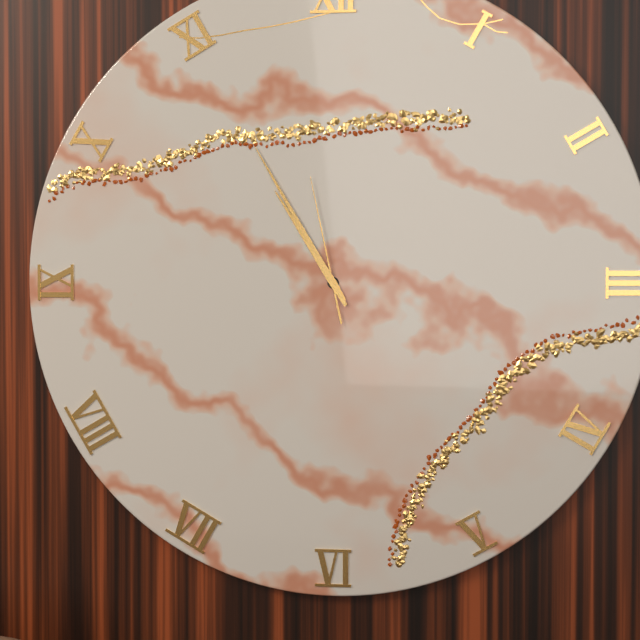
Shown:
10h55m58s
